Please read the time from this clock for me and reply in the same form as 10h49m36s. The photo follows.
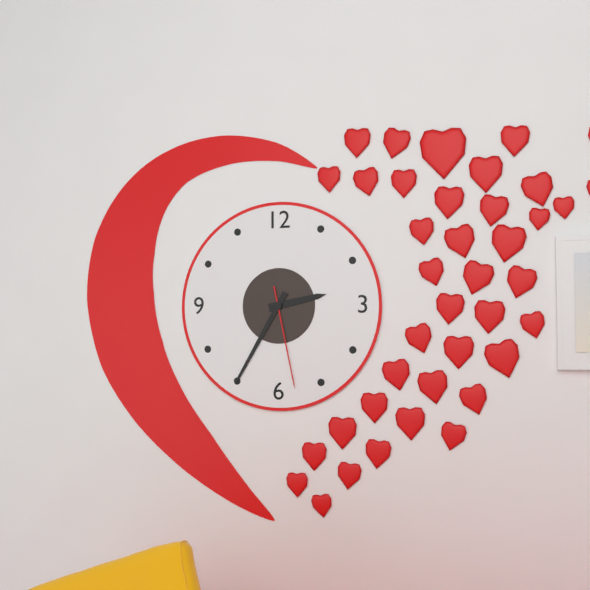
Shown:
2h35m28s
